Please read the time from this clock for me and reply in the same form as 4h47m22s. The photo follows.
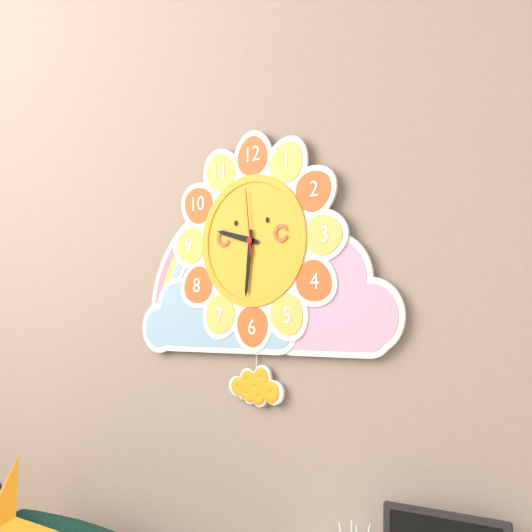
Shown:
9h31m59s
